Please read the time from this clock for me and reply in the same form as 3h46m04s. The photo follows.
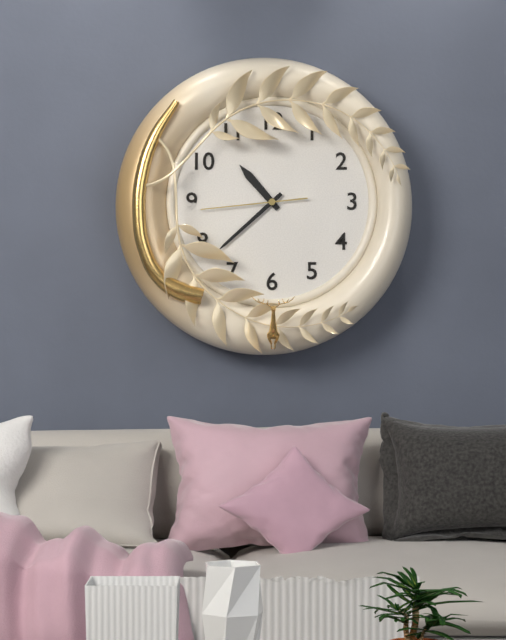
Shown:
10h38m44s
